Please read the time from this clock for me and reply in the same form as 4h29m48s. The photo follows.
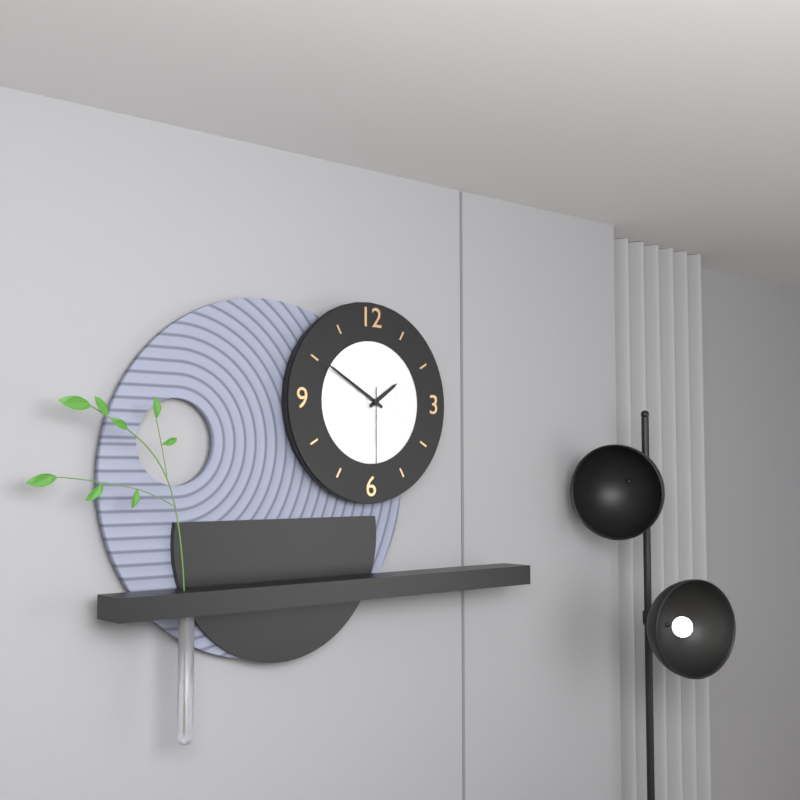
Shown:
1h50m30s
